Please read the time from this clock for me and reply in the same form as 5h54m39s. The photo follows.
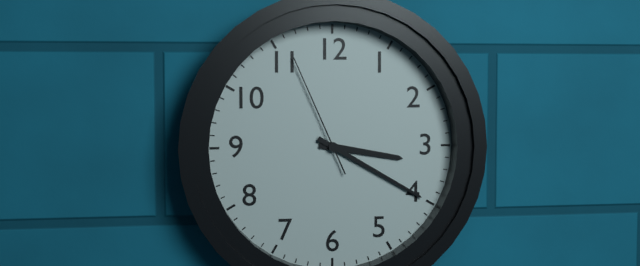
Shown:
3h20m56s
